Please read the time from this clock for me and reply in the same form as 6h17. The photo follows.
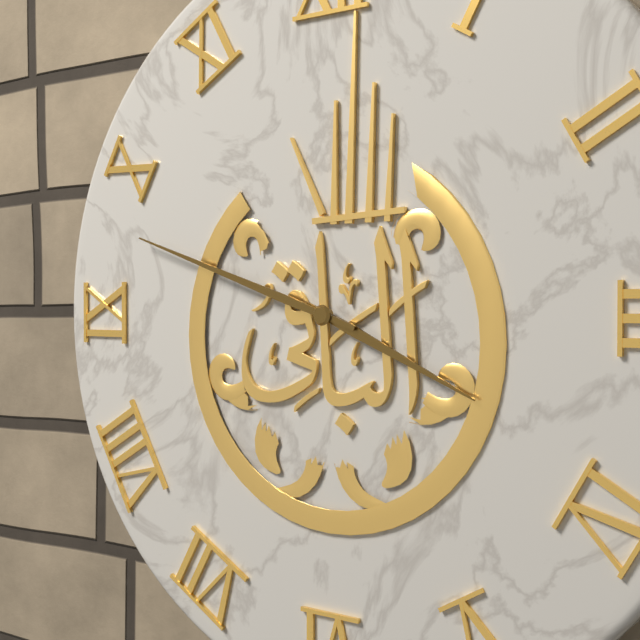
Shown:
3h48
